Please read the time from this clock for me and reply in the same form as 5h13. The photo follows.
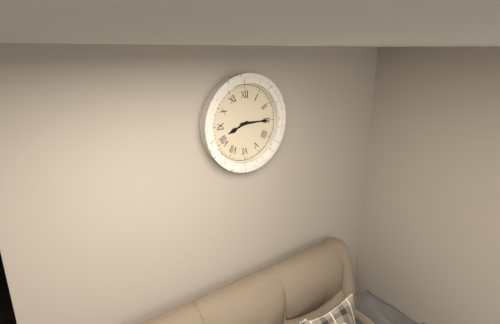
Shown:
8h15
